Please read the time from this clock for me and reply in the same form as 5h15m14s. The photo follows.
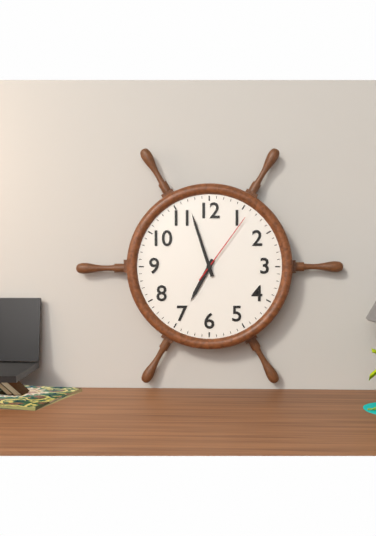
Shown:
6h57m06s
